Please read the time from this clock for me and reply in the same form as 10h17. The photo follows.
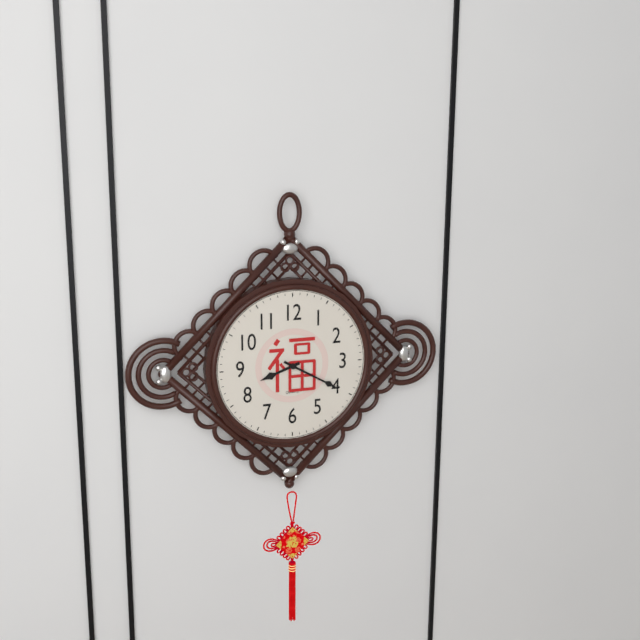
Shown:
8h20
